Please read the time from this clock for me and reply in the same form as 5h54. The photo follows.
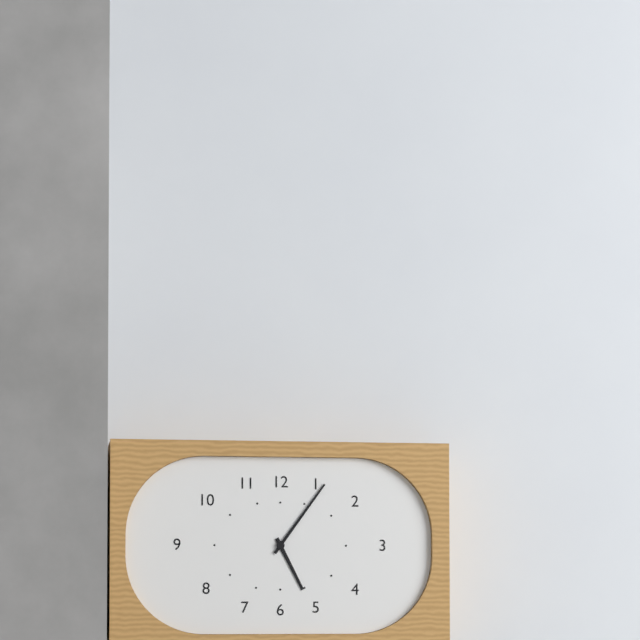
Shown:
5h06
